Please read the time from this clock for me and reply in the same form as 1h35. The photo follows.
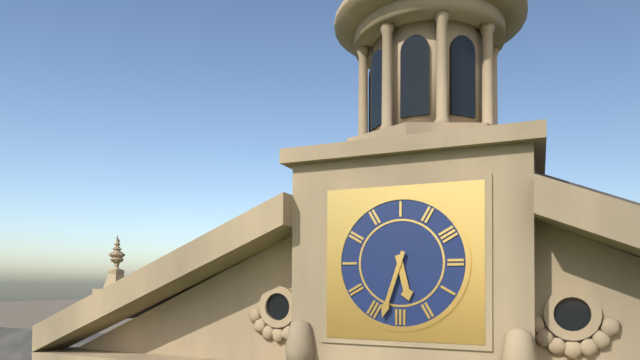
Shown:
5h33
